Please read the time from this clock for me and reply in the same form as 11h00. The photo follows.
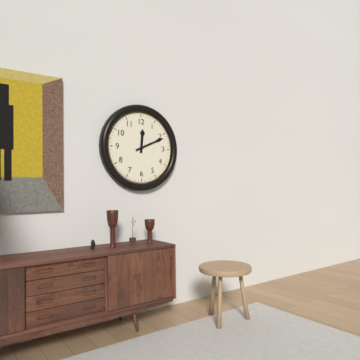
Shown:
12h11
